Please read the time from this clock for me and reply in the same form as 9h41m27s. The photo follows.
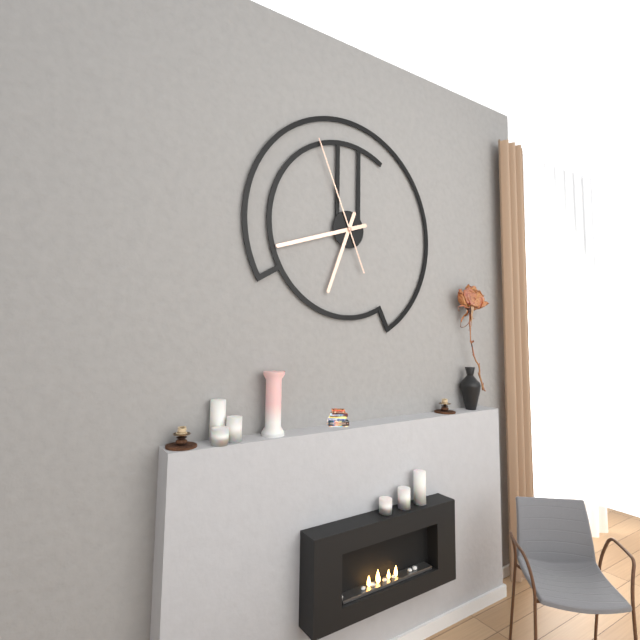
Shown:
6h42m56s
